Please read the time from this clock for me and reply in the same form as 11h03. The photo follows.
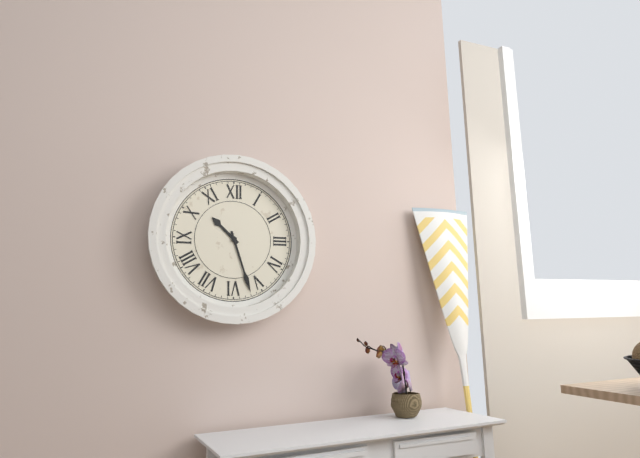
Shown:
10h27
